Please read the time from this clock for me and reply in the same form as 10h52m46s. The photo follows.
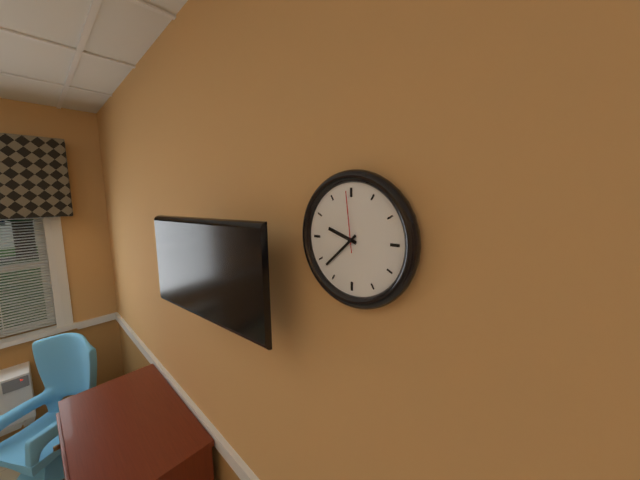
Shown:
9h38m59s
